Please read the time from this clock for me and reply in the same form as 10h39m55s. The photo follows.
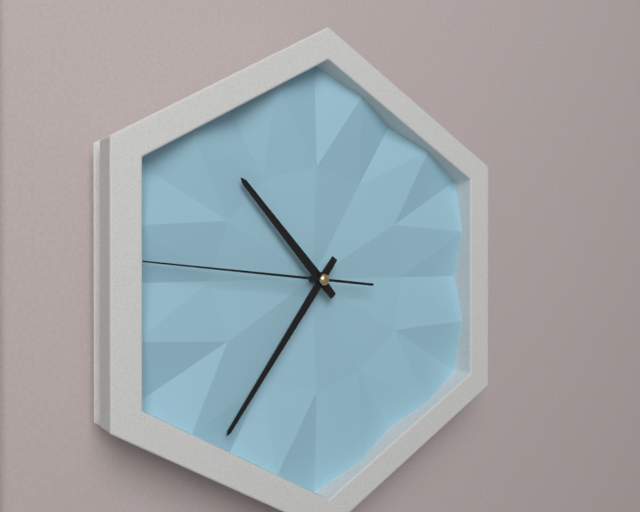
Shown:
10h36m46s
